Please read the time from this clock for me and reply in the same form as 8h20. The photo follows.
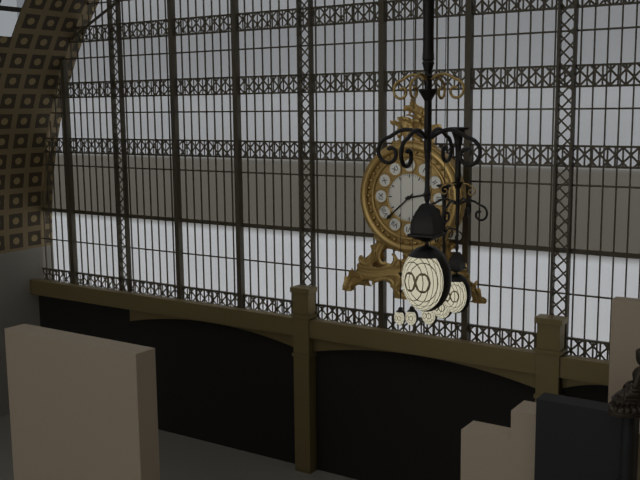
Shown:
2h38
